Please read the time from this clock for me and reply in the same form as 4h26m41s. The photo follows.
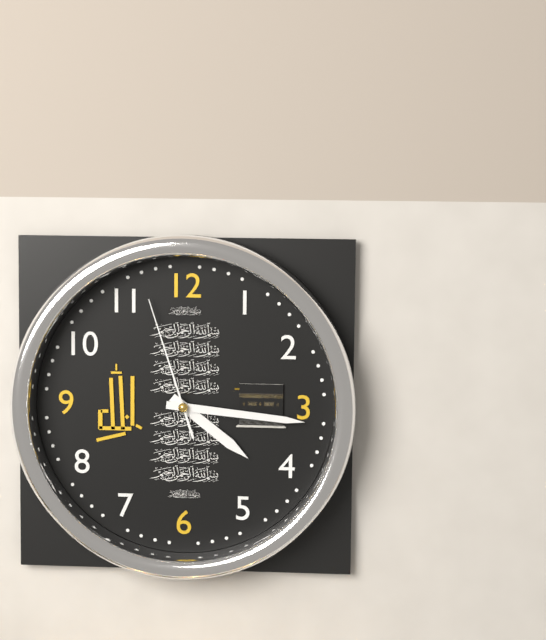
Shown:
4h16m57s
